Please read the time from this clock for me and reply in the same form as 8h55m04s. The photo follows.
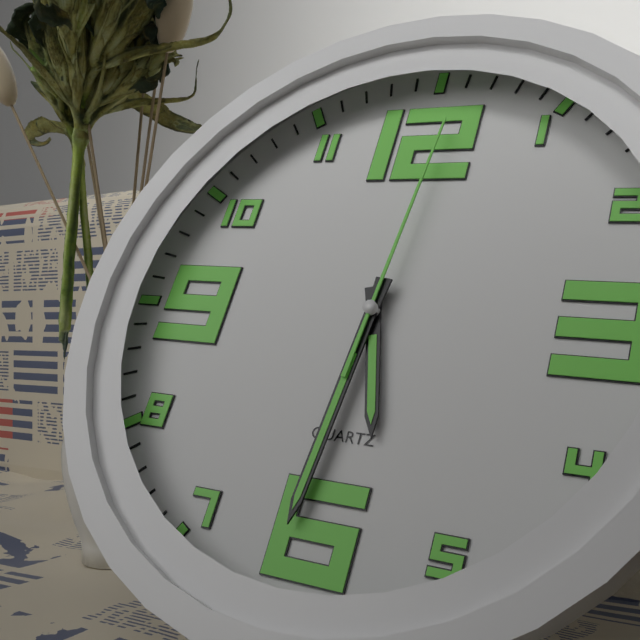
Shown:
5h31m01s
